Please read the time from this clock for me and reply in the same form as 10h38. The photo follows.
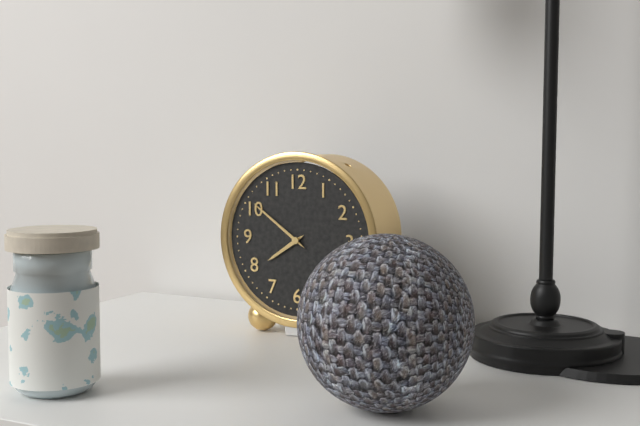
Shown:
7h51
